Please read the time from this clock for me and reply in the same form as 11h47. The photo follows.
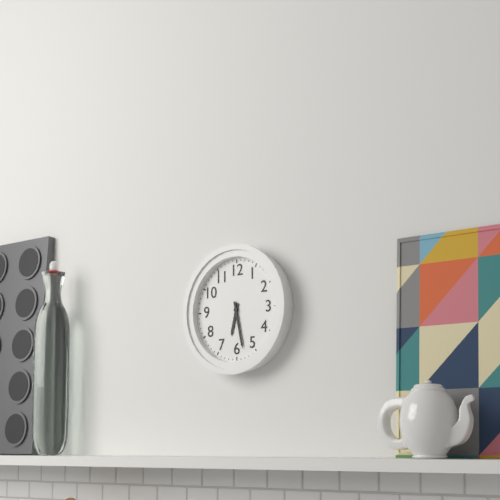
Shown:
6h28
